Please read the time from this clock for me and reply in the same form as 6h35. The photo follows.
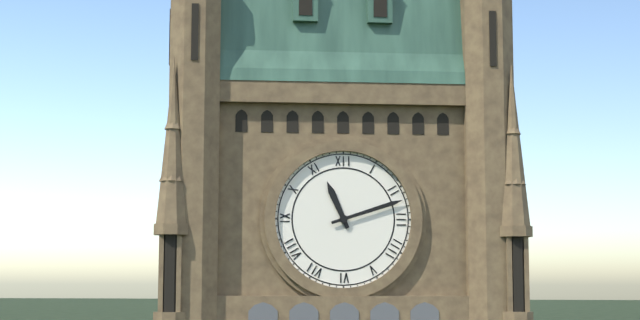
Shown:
11h12
